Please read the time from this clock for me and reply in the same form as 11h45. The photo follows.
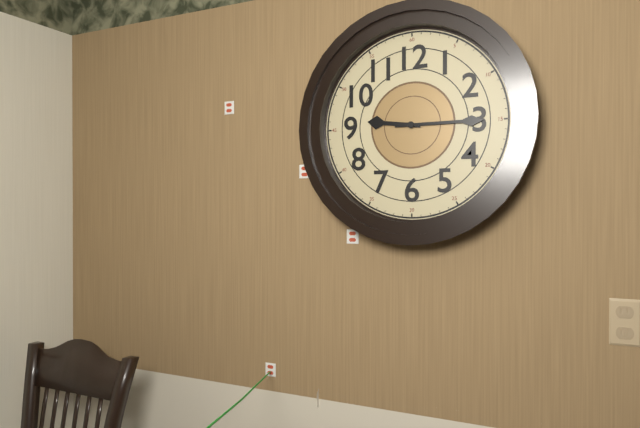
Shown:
9h15
